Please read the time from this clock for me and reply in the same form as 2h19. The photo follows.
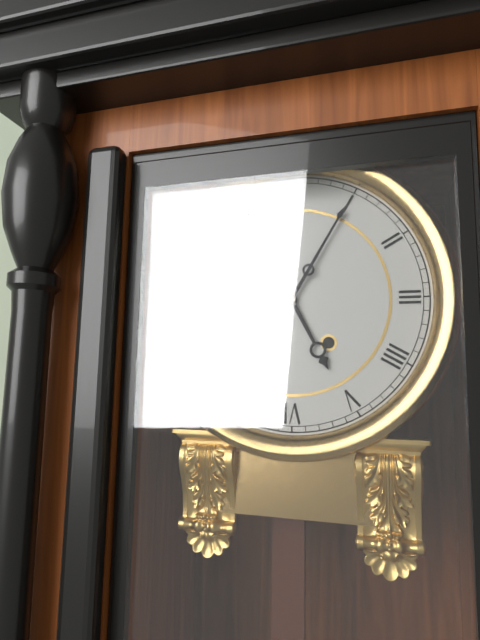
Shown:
5h05
